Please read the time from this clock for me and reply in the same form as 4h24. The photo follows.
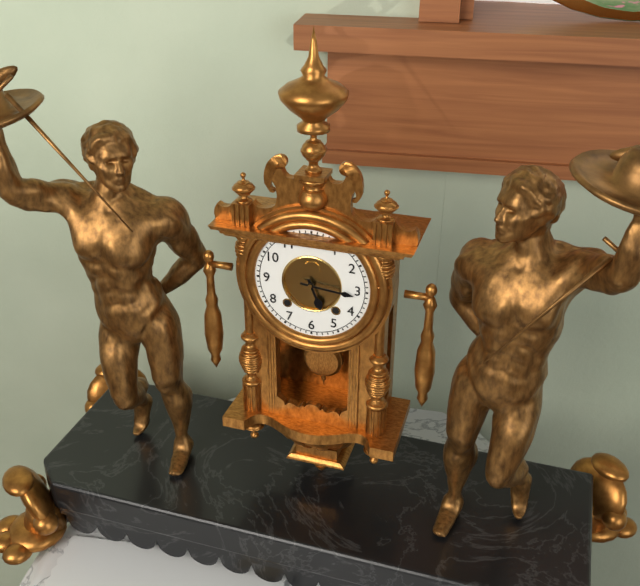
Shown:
5h16
